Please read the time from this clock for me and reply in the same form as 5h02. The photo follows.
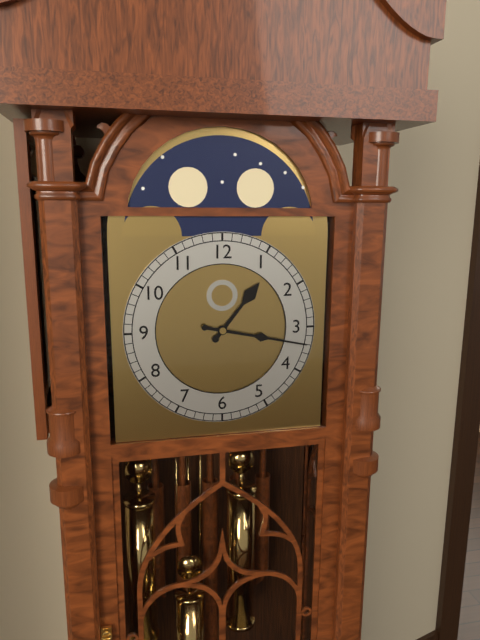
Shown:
1h17
